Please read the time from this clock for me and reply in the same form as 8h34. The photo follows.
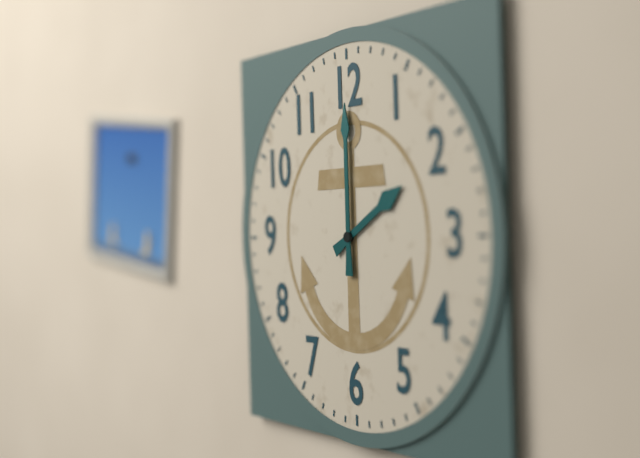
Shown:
2h00
